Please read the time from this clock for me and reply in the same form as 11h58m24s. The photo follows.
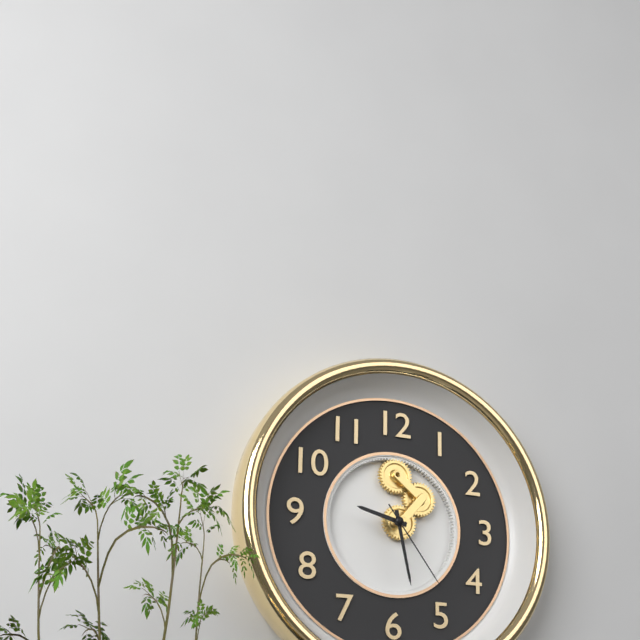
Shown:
9h28m24s
